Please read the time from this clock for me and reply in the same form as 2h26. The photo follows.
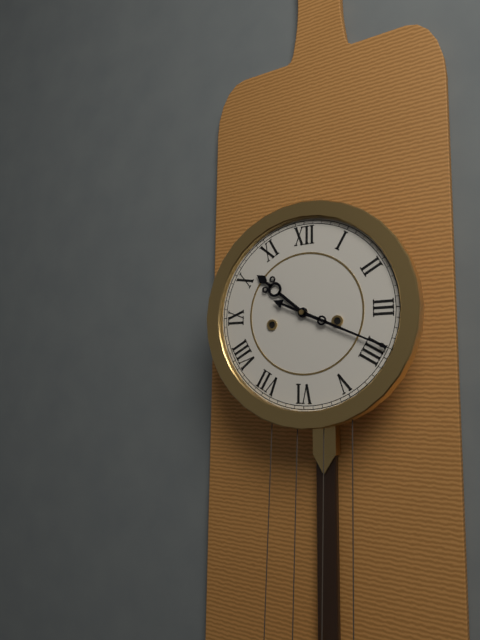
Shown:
10h19
